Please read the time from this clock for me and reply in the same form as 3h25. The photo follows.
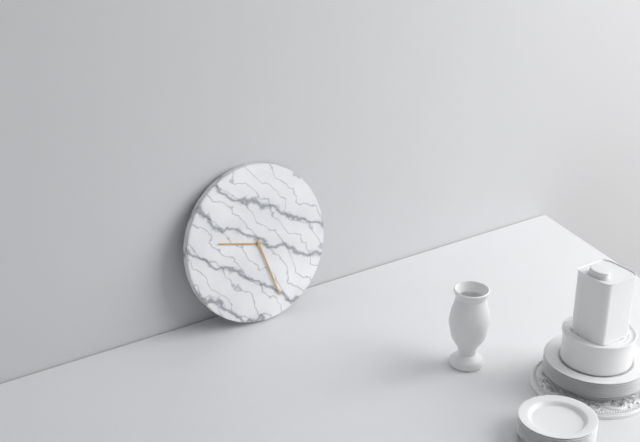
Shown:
9h27
